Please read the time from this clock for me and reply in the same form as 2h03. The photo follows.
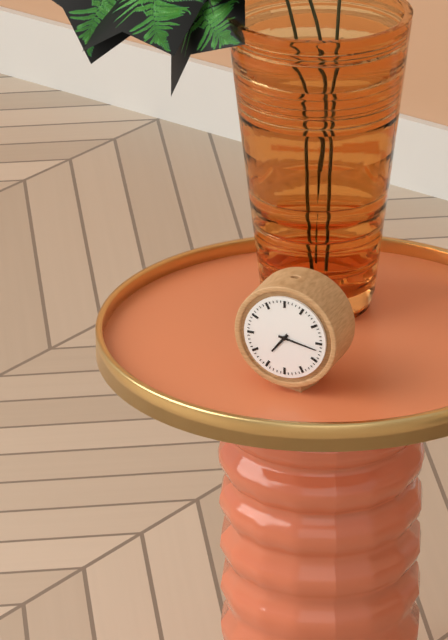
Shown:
7h17
